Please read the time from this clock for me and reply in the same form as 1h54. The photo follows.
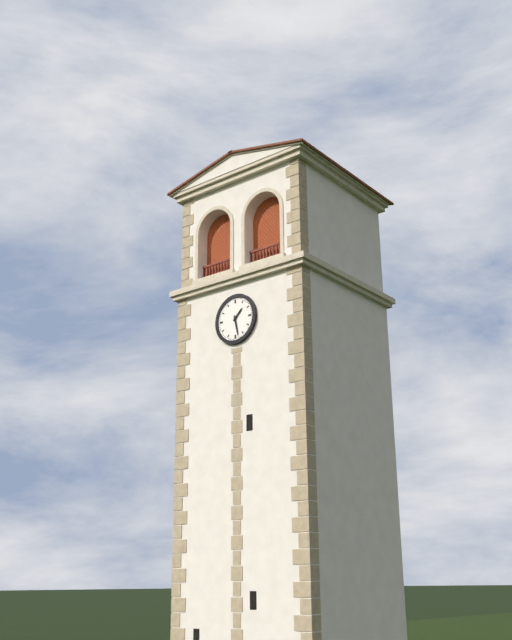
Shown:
1h28
